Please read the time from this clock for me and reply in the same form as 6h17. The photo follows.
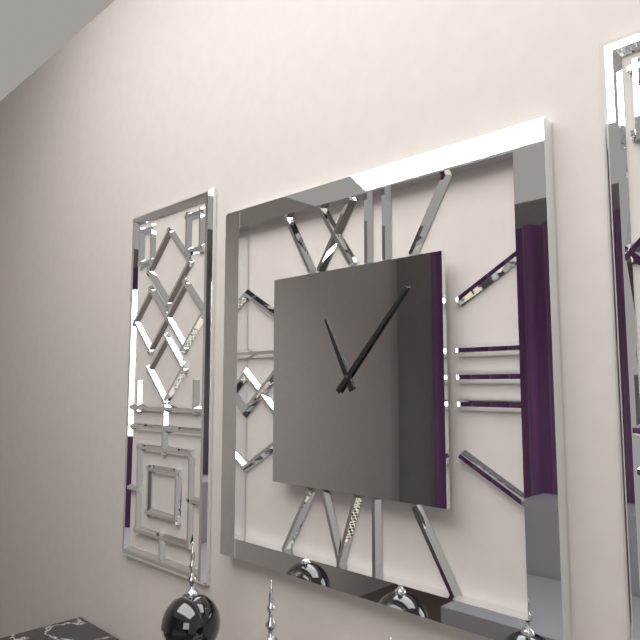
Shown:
11h07
